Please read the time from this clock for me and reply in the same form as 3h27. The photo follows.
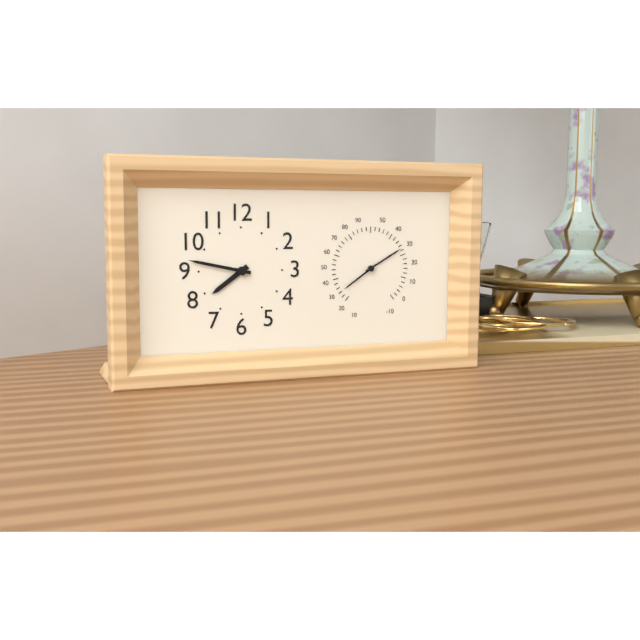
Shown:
7h47
